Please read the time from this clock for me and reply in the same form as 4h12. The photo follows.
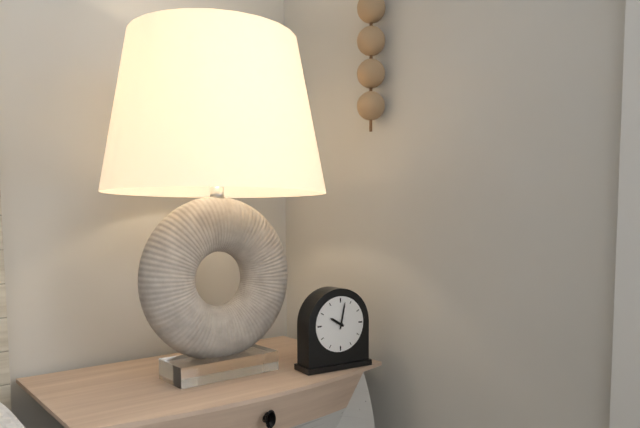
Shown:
10h02
